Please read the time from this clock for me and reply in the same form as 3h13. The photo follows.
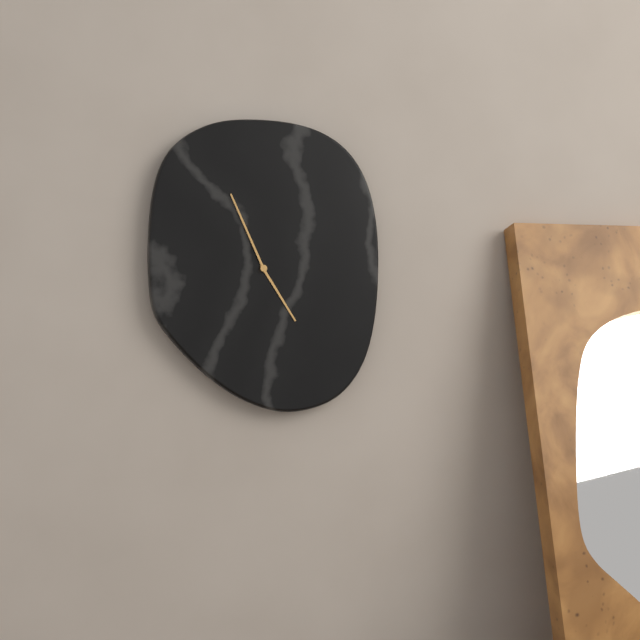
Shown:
4h56
